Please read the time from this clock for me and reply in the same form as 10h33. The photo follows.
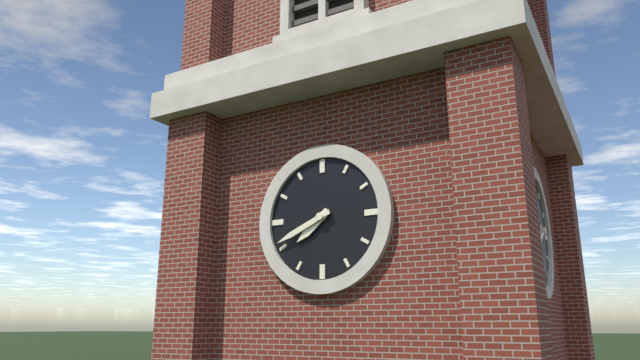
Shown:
7h41
